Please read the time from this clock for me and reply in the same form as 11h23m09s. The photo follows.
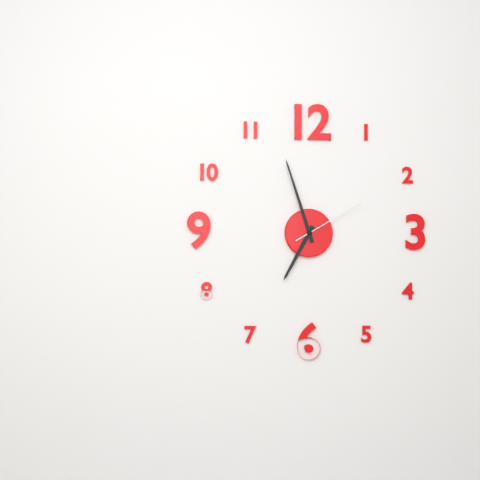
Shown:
6h57m10s
